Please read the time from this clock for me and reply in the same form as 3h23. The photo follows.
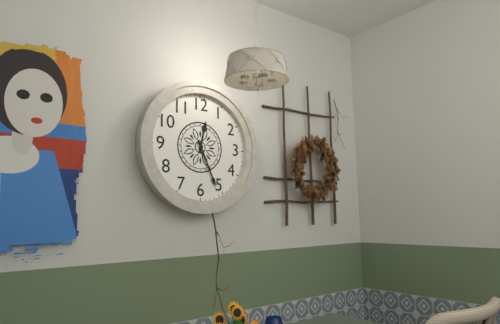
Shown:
12h26
